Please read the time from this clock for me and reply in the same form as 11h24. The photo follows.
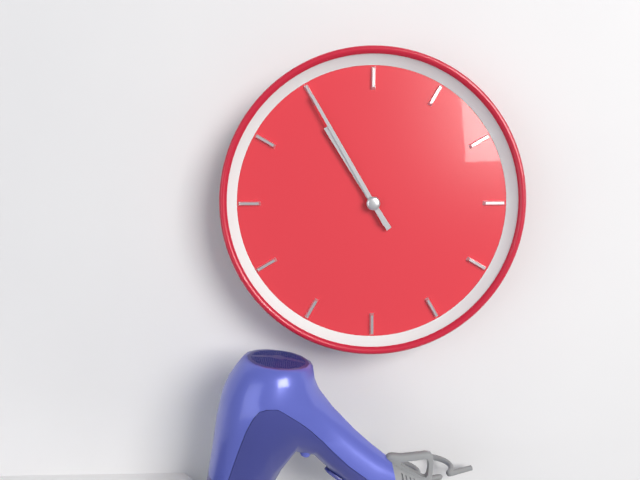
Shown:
10h55
